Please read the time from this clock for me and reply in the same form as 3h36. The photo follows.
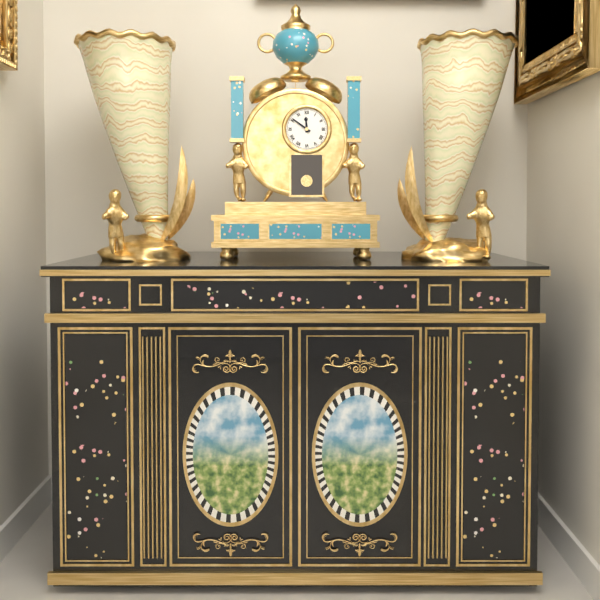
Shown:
11h51
